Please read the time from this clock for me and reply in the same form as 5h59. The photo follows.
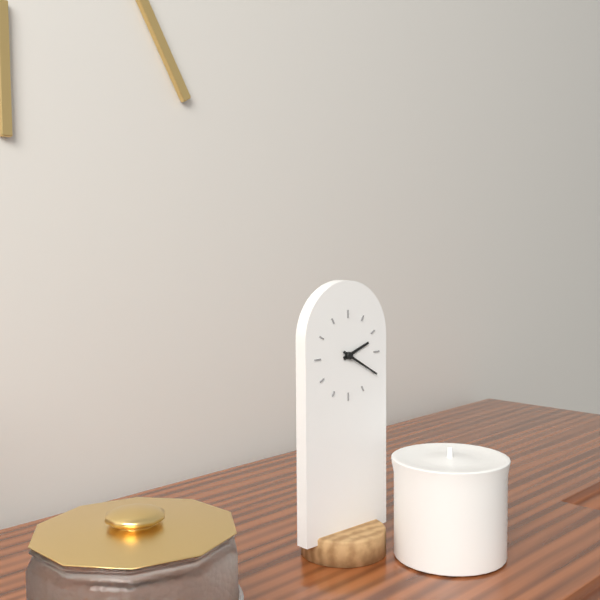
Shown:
2h20
